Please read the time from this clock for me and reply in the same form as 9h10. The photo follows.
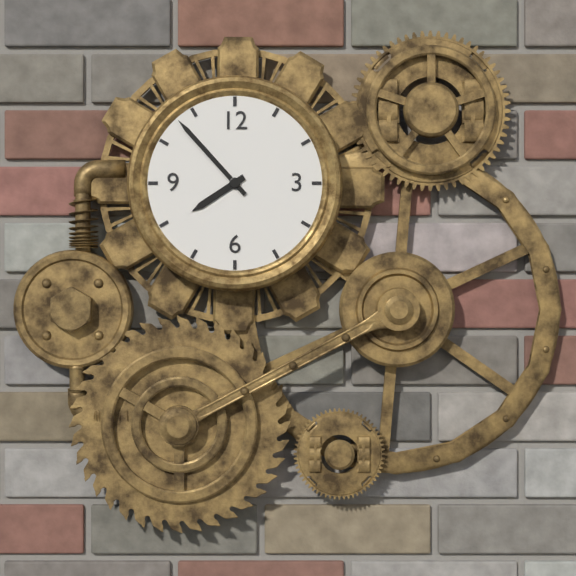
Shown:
7h53
